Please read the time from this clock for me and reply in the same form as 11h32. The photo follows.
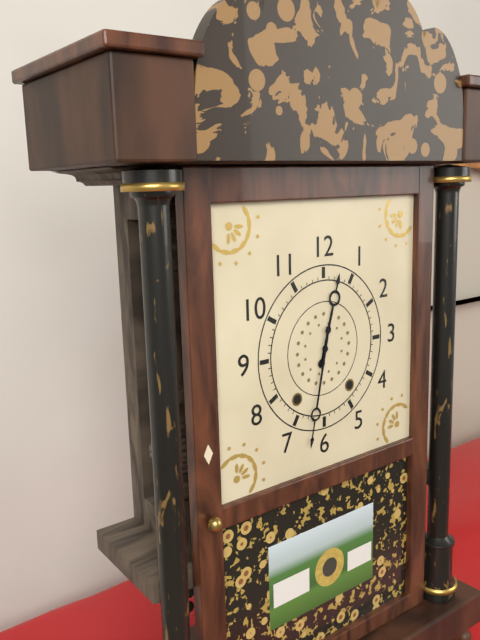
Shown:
12h32
